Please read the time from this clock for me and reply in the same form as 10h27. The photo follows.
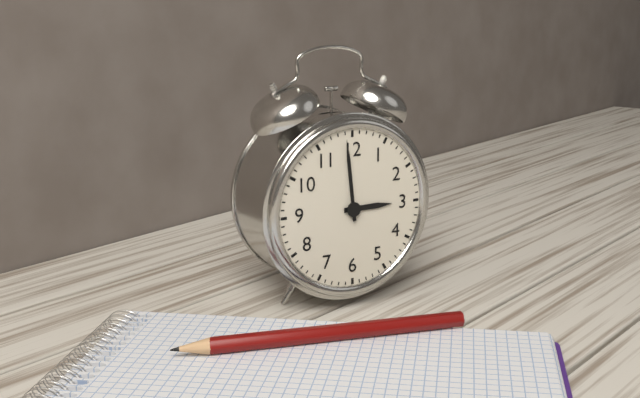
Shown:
2h59
